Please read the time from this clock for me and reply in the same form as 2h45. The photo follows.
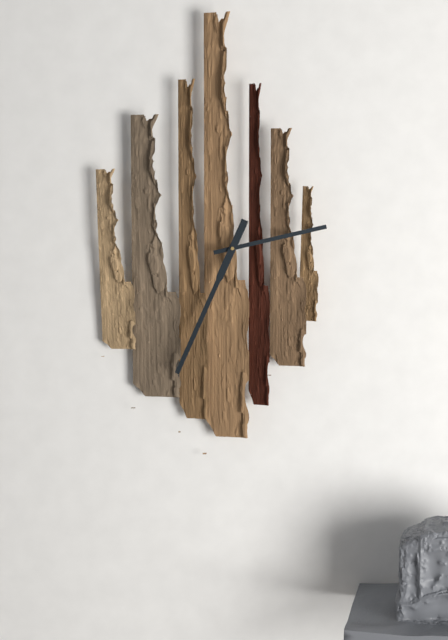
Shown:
2h34
